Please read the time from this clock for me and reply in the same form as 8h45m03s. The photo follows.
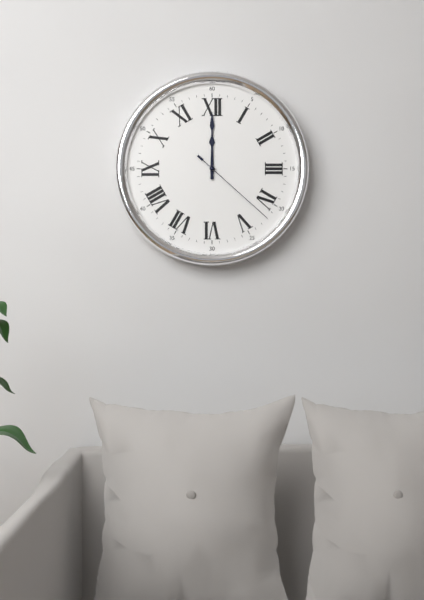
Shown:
12h00m22s
